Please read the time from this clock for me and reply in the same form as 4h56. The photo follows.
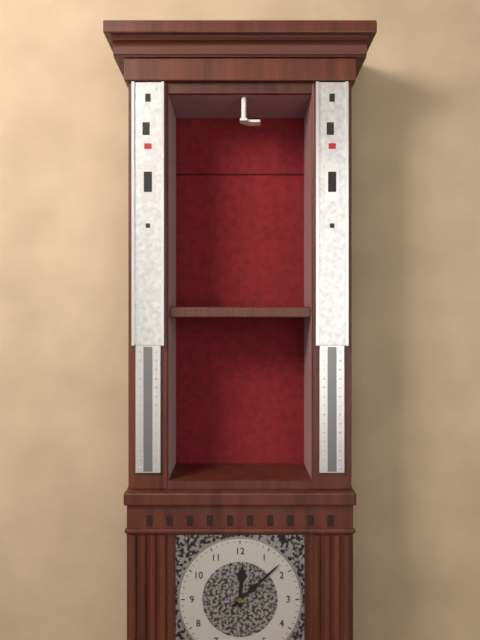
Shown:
12h08
